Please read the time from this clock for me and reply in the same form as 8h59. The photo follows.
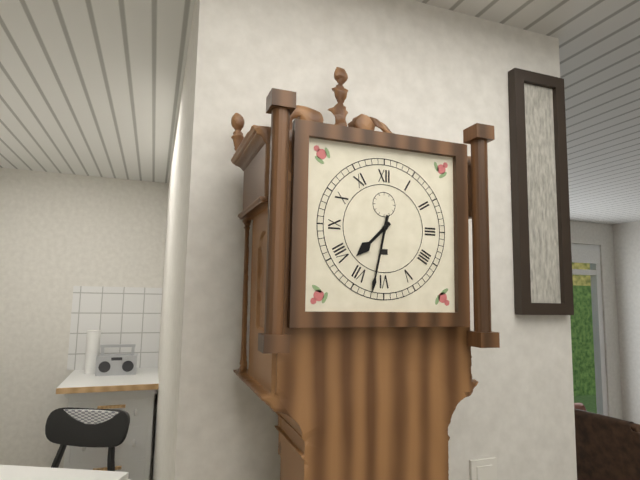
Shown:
7h32
